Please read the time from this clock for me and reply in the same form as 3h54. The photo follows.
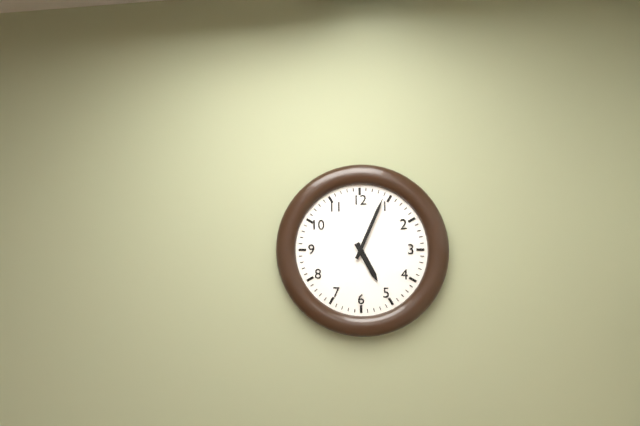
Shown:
5h04
